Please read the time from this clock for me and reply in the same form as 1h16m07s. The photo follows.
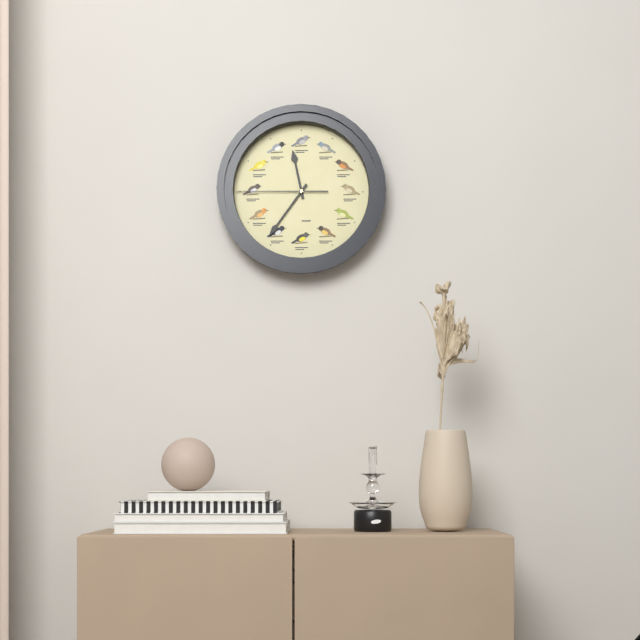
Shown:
11h36m45s
